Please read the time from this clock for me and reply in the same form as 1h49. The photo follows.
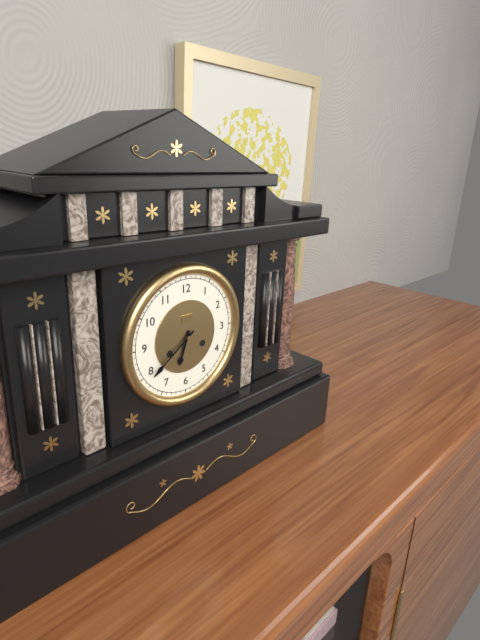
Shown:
6h39
